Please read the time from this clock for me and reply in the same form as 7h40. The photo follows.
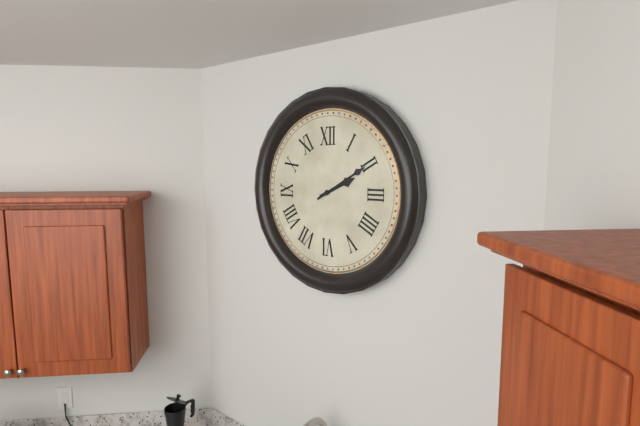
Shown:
2h10
